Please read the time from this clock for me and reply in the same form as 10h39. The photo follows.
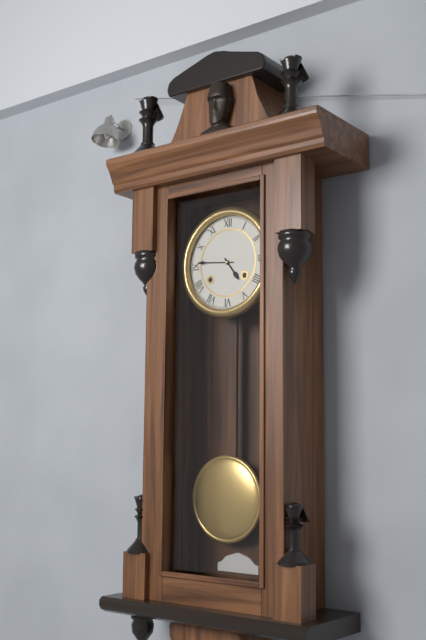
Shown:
4h46
